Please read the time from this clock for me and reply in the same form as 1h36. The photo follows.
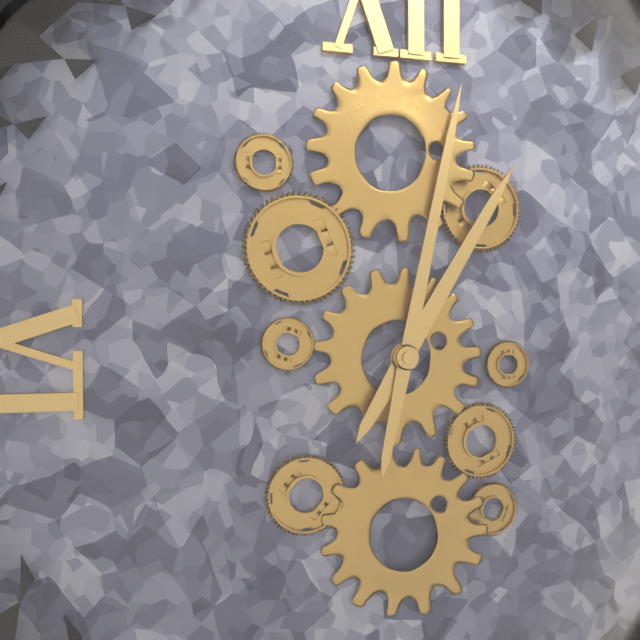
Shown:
1h02
